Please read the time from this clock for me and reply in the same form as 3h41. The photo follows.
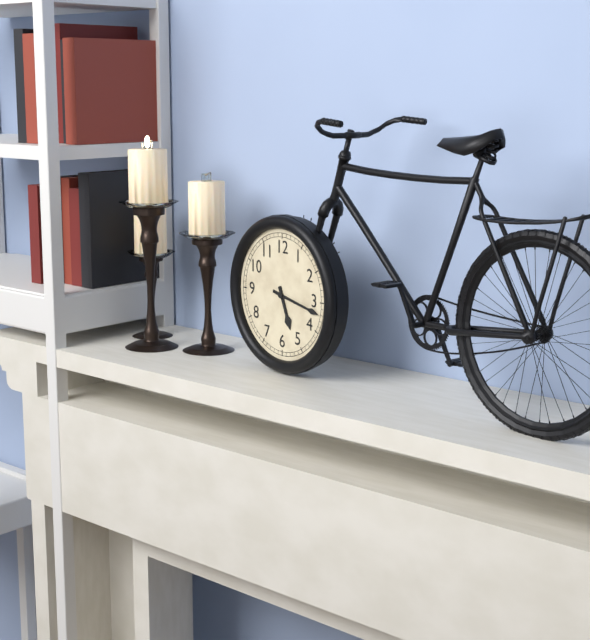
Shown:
5h17
